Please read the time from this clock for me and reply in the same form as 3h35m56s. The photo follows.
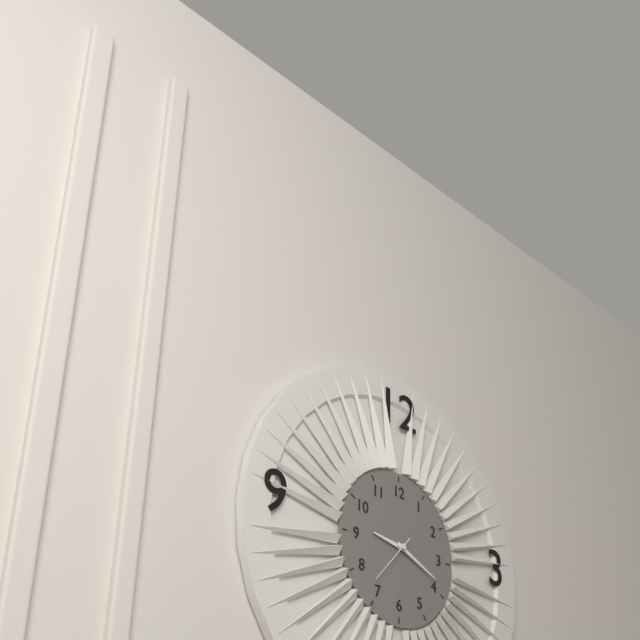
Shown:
9h19m37s
